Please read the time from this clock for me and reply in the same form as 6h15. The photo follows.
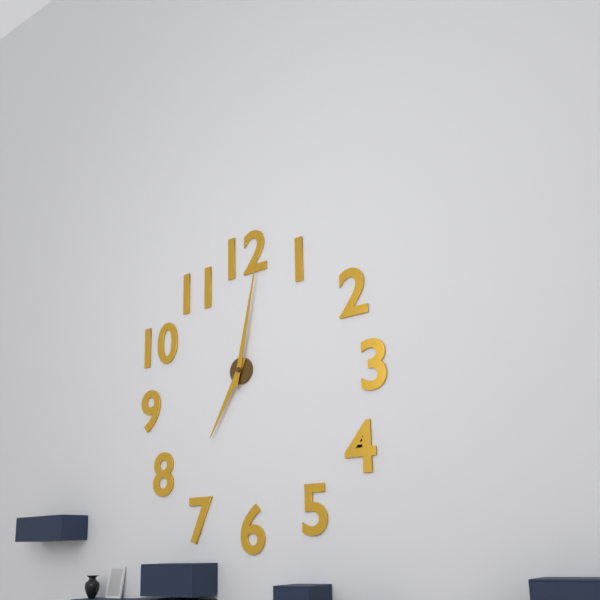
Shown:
7h02
